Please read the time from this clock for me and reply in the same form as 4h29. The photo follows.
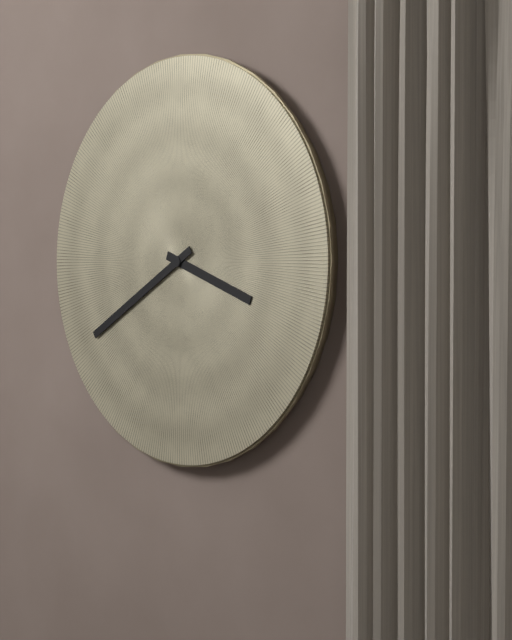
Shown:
3h40
